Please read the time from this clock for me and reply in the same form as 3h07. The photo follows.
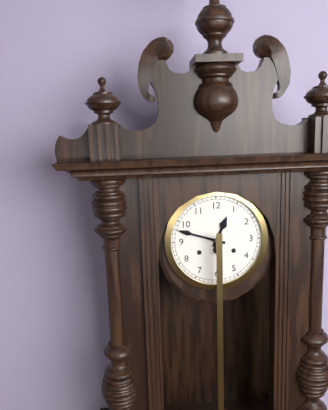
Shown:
12h48
